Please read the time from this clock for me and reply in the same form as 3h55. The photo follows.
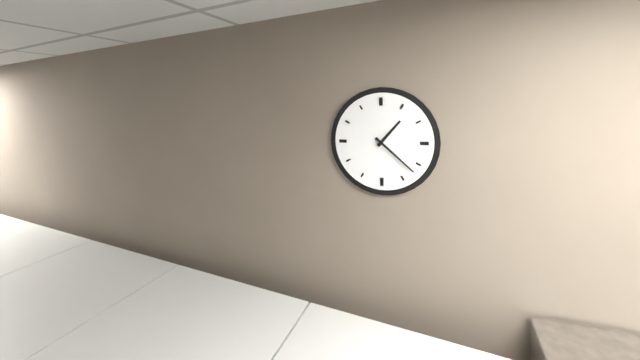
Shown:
1h22
